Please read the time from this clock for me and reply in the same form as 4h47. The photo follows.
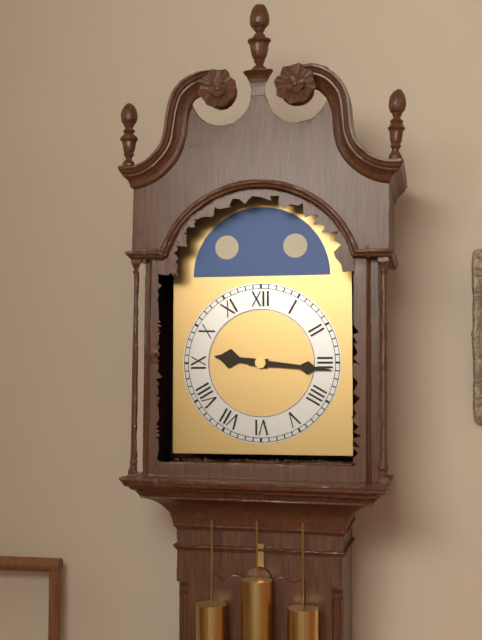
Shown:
9h16
